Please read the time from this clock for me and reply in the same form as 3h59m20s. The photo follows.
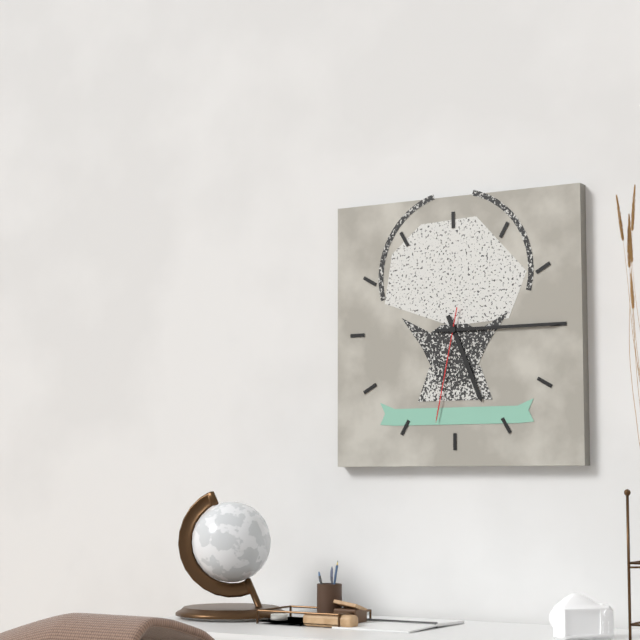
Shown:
5h15m32s
